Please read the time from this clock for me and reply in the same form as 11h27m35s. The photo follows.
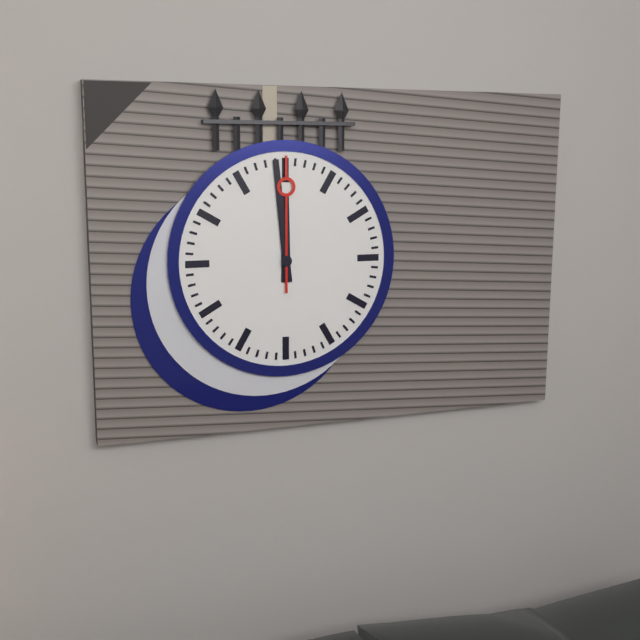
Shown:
11h59m00s
